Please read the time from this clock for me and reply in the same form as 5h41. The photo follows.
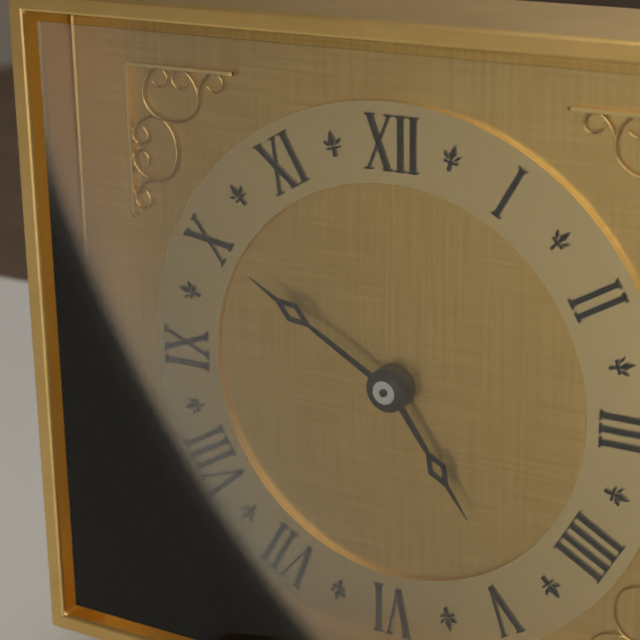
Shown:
4h50
